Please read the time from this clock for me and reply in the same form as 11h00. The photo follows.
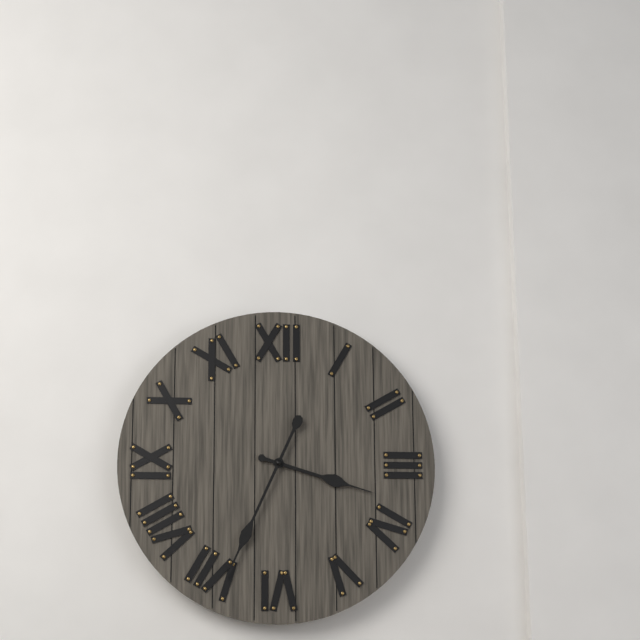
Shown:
3h34
